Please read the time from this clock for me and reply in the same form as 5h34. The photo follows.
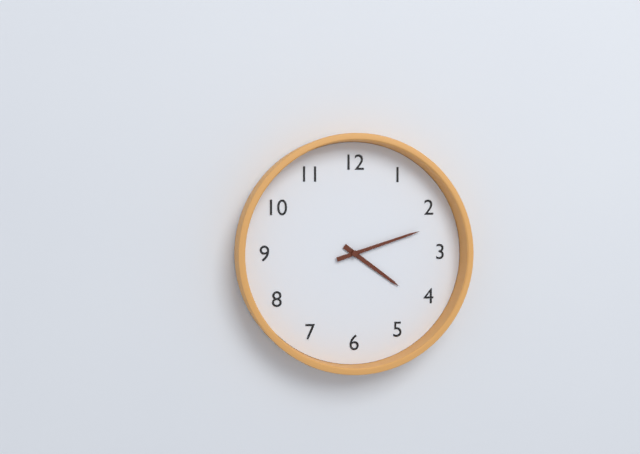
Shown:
4h12
